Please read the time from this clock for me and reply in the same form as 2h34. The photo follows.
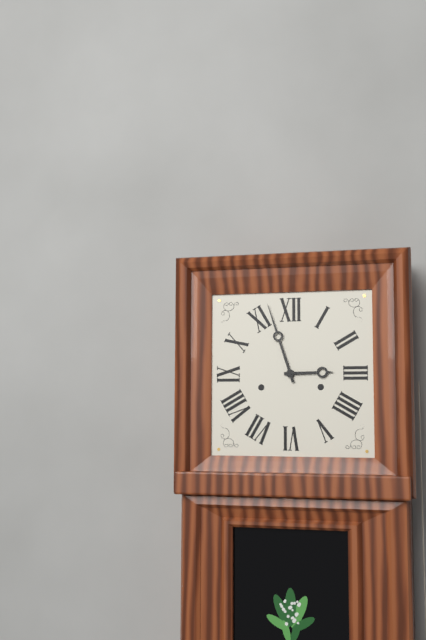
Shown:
2h57
